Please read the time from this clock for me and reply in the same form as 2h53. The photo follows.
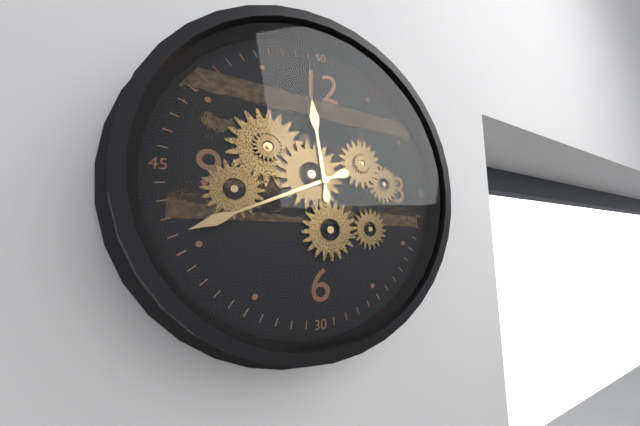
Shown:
11h41
